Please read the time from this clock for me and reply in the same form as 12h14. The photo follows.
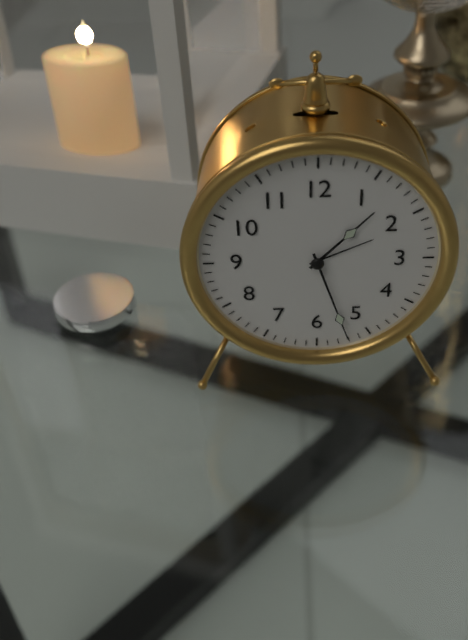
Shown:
1h27
